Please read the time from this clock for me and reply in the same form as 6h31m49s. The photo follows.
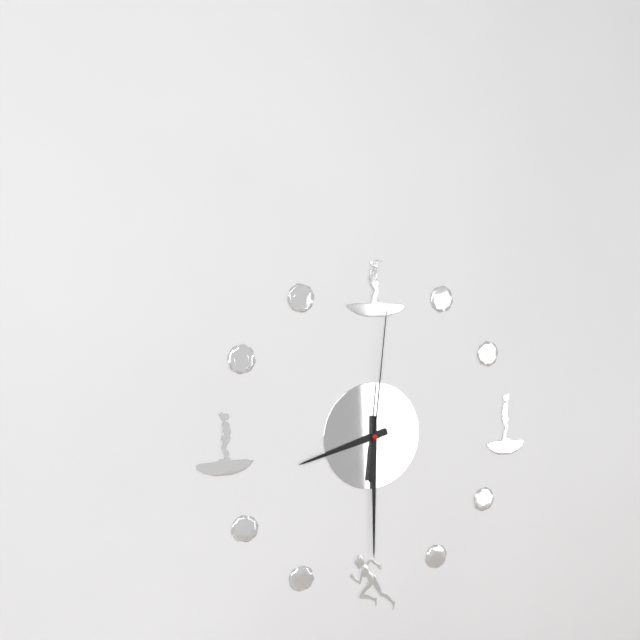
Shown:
8h30m01s
